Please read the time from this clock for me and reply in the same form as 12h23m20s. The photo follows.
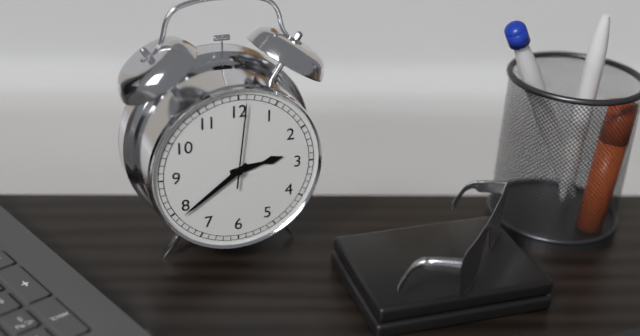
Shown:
2h39m01s
